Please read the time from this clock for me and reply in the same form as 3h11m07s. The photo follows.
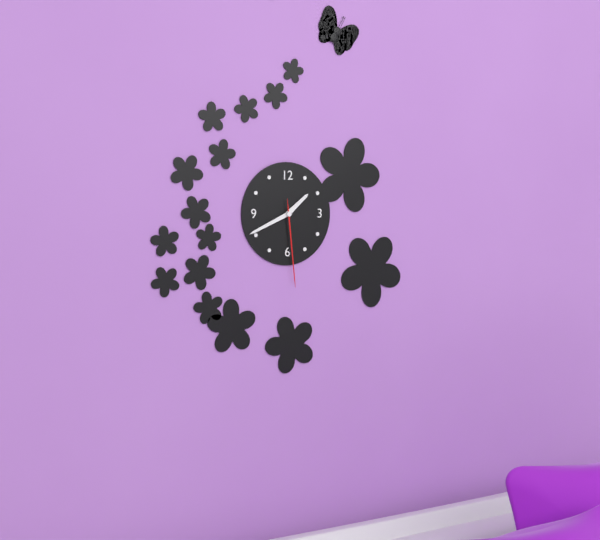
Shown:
1h41m29s
